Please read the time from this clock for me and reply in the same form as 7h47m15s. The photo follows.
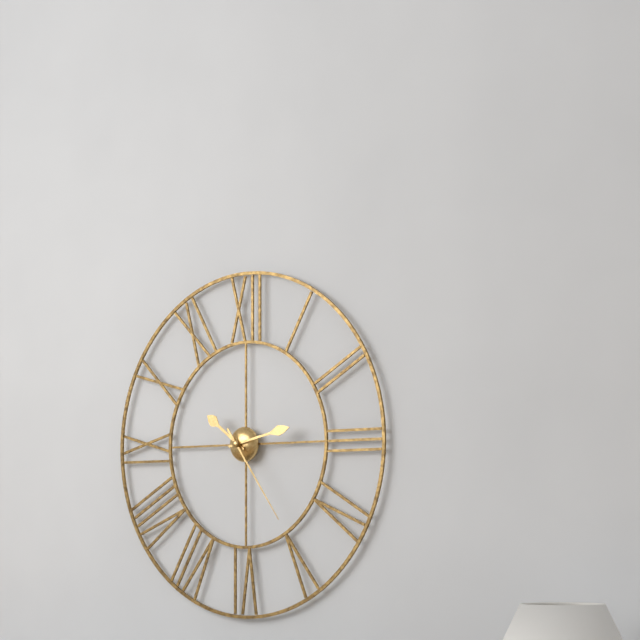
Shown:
10h13m24s
